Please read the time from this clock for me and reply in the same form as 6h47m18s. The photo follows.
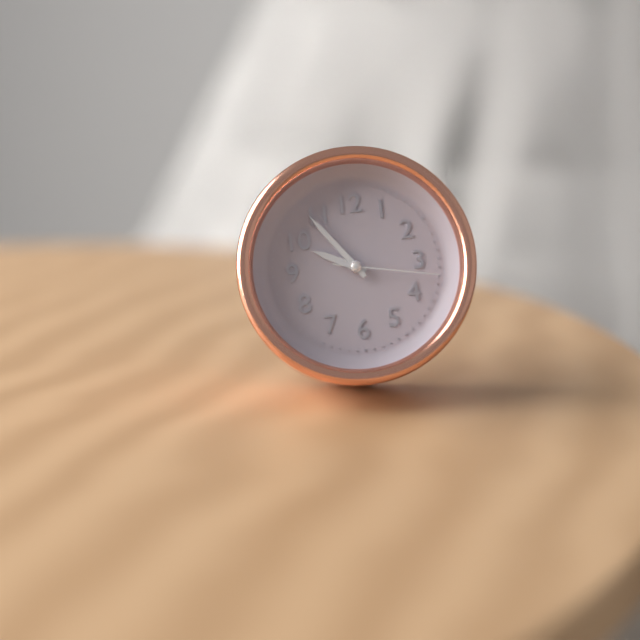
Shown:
9h54m17s
